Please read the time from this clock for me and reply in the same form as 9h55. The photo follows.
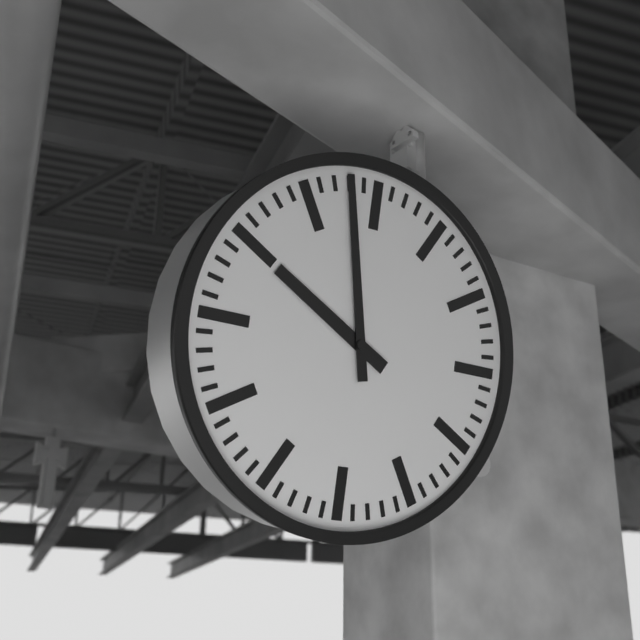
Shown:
9h58
